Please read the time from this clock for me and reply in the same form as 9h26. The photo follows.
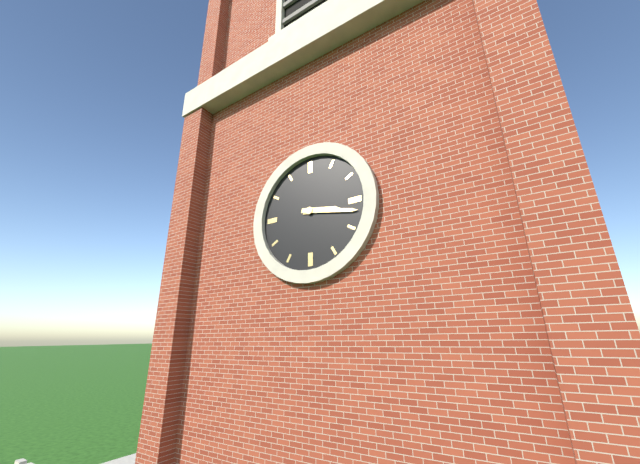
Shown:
3h17
